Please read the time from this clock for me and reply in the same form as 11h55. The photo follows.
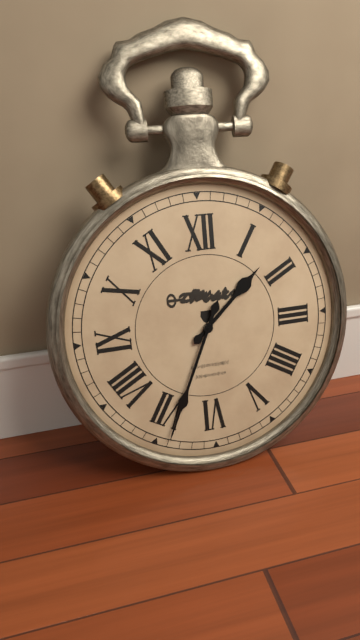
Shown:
1h34
